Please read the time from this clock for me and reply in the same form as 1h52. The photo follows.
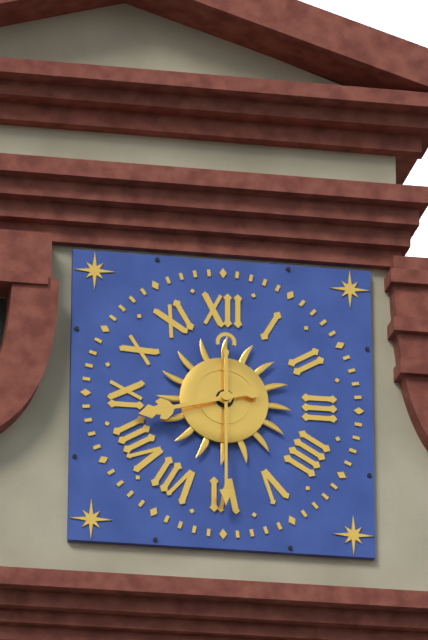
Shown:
8h30
